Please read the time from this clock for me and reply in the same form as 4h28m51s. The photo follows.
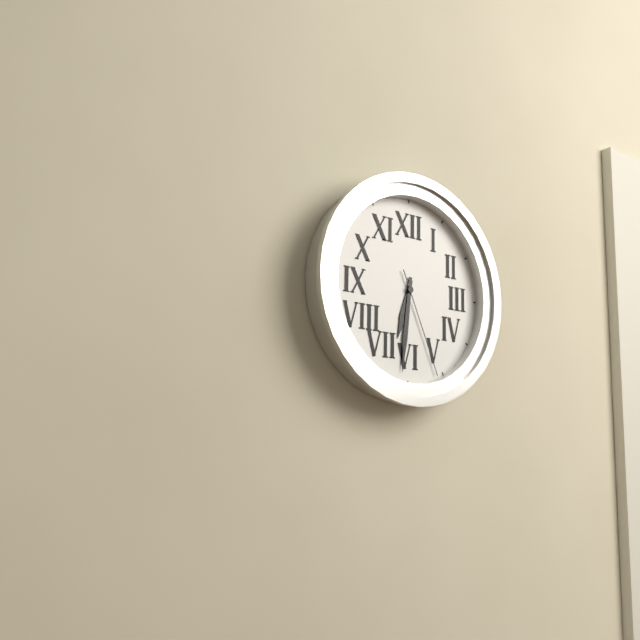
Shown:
6h31m26s
